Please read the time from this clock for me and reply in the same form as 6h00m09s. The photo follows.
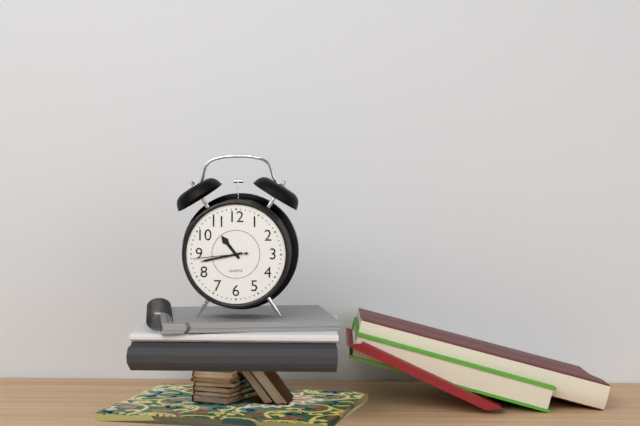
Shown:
10h43m44s
